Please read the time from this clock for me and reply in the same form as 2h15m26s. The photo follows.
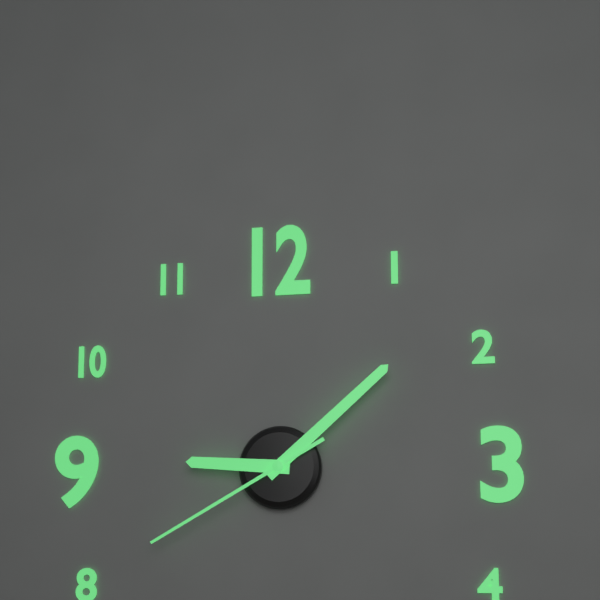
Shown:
9h08m40s
